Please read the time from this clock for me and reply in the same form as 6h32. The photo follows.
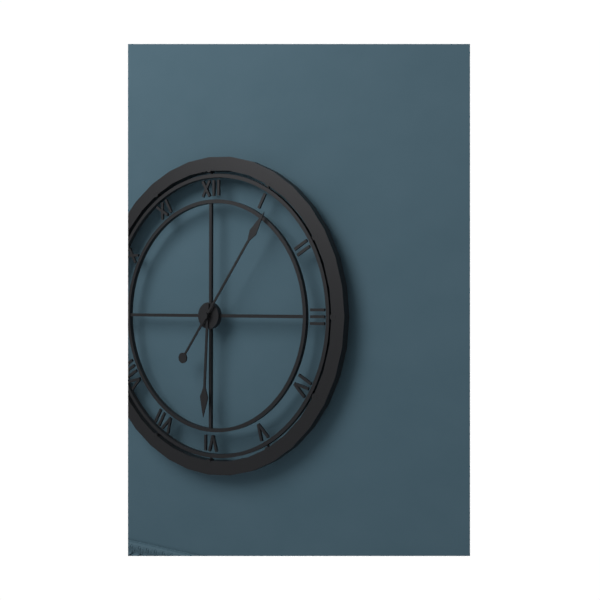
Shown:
6h06
